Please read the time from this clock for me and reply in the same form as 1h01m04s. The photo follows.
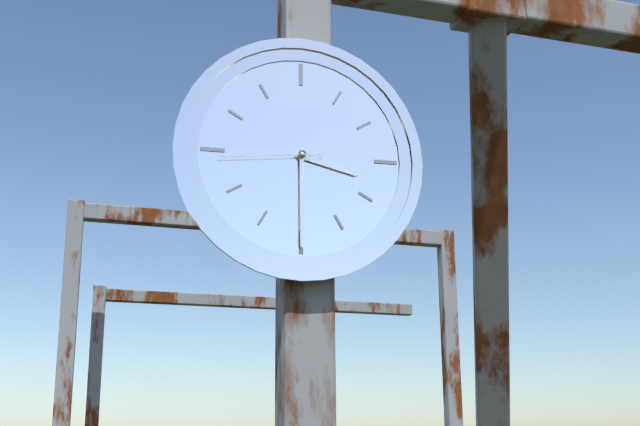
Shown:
3h30m44s
